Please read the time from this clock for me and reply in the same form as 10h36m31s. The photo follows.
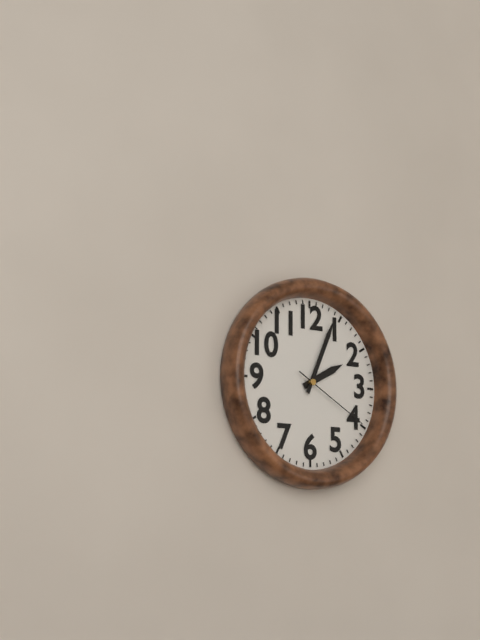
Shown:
2h04m20s
